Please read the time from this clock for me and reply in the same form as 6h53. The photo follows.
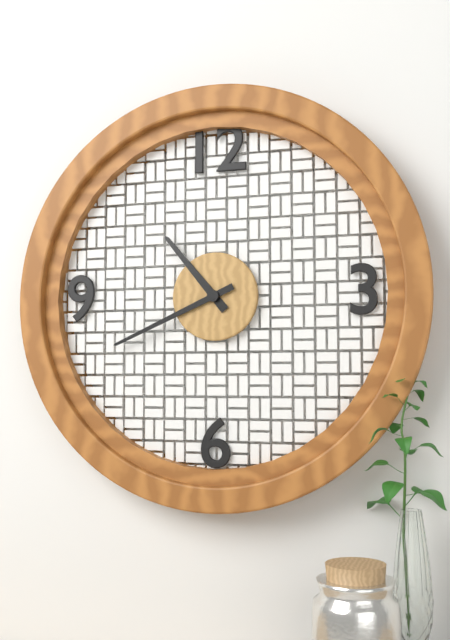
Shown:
10h41
